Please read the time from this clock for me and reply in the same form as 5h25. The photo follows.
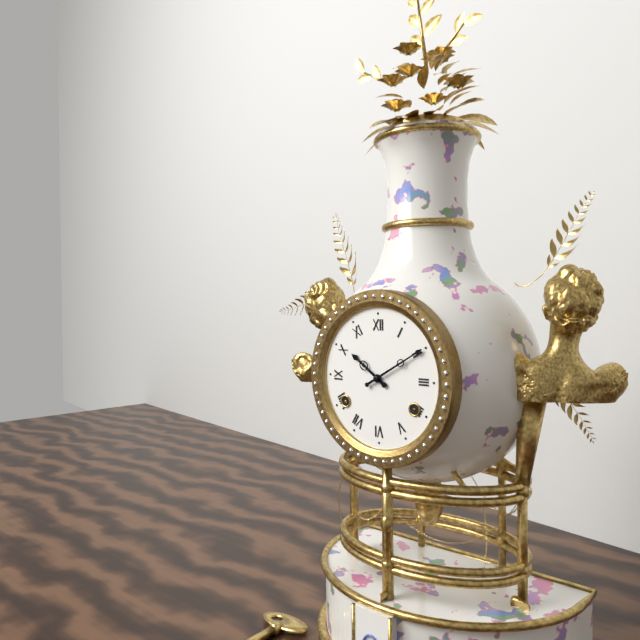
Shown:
10h10
